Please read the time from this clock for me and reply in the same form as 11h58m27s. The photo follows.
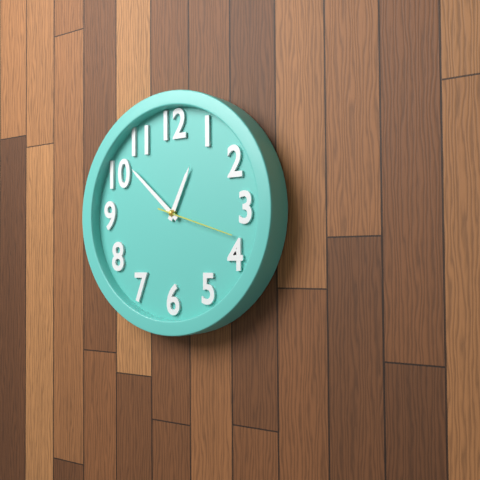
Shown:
12h52m18s
